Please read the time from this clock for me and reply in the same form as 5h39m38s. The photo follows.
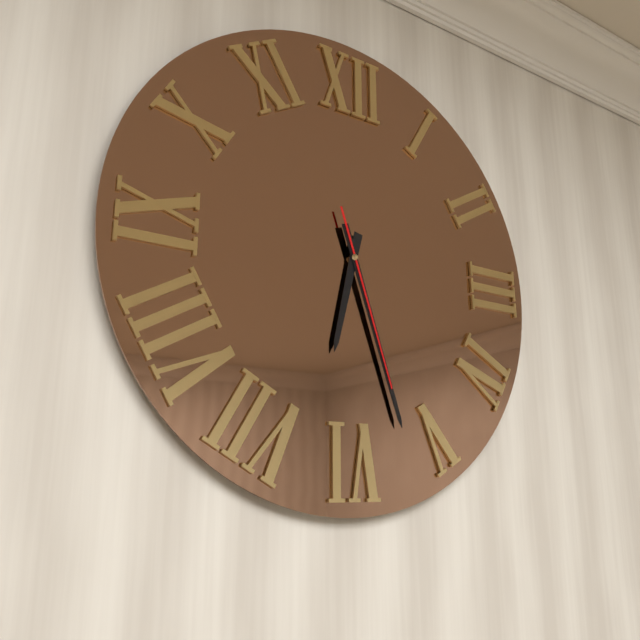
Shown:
6h27m27s
